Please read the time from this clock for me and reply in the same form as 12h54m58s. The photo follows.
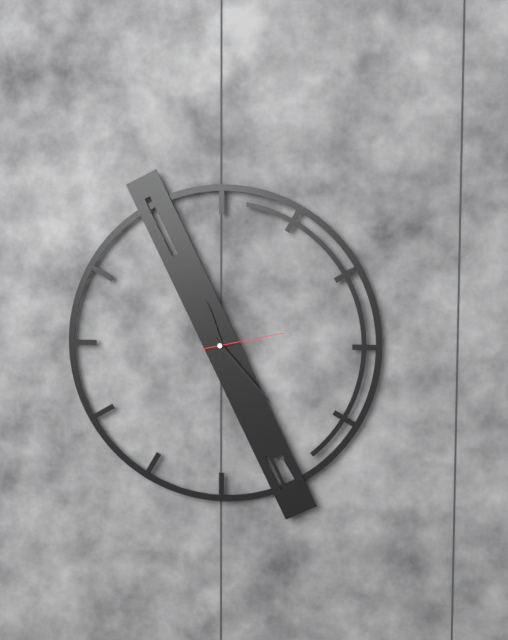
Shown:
11h23m13s
